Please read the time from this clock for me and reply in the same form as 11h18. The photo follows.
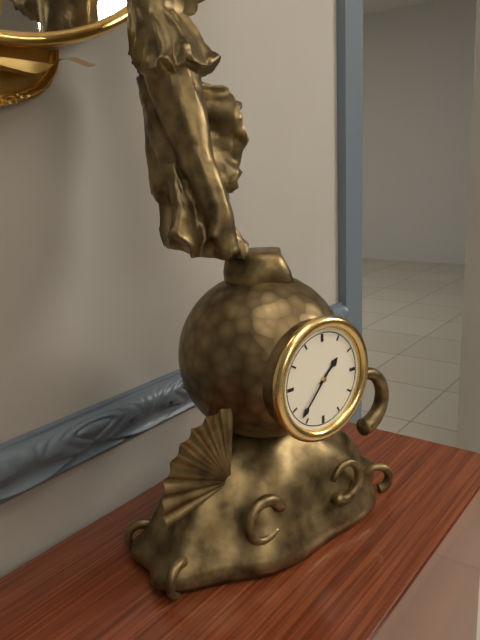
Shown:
1h37
